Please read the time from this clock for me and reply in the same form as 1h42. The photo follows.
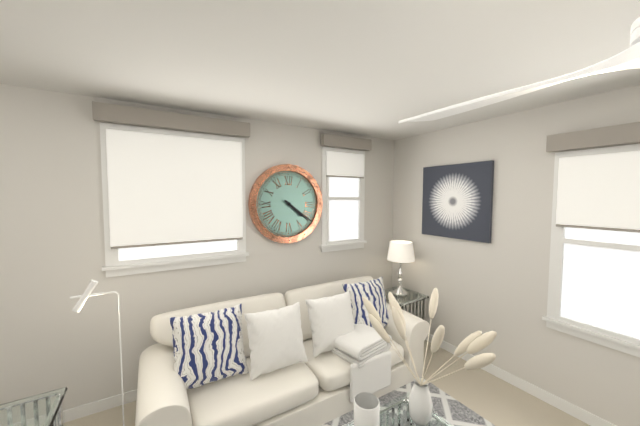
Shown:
4h21
